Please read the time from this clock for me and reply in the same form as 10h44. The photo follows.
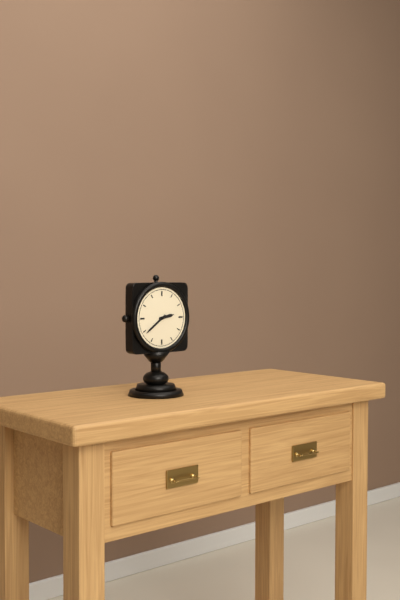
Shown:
2h39
